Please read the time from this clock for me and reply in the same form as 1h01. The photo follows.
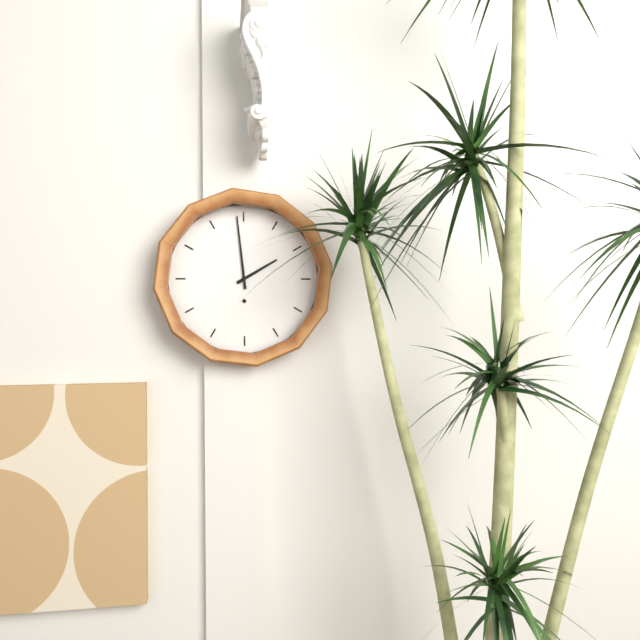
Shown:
1h59
